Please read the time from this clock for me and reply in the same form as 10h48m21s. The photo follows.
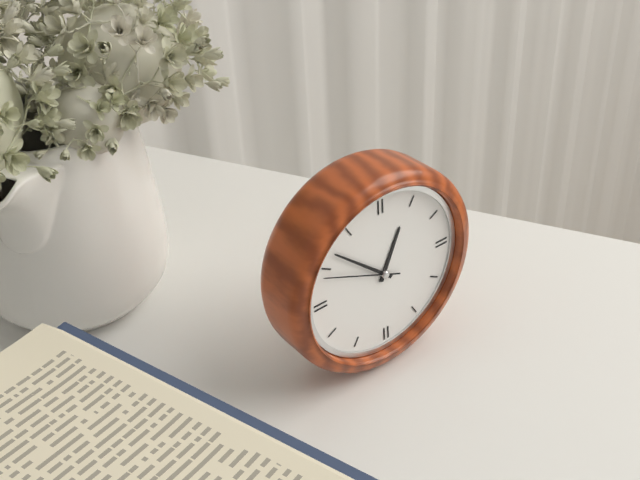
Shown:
12h52m49s
